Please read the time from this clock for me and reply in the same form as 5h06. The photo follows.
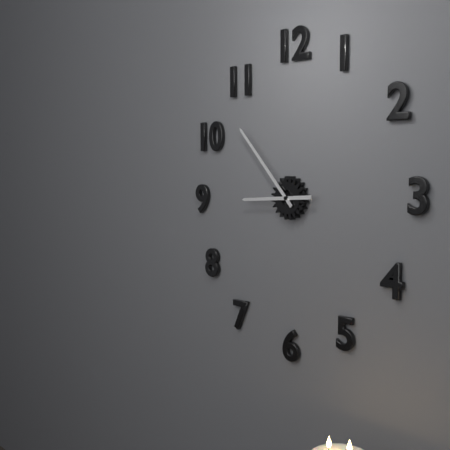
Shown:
8h53
